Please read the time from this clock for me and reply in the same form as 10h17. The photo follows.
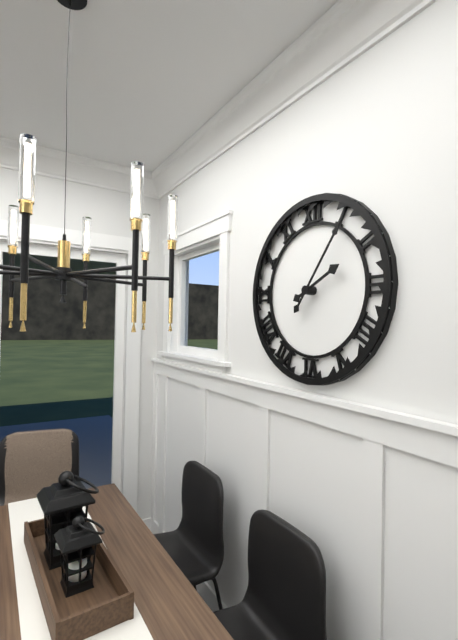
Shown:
2h06
